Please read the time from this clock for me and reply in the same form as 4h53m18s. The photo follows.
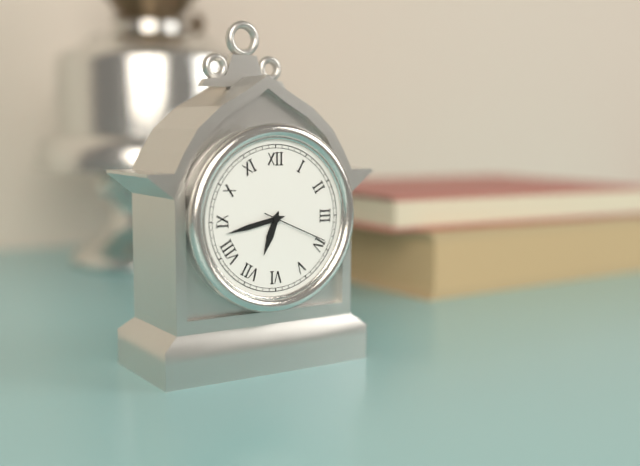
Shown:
6h43m19s
